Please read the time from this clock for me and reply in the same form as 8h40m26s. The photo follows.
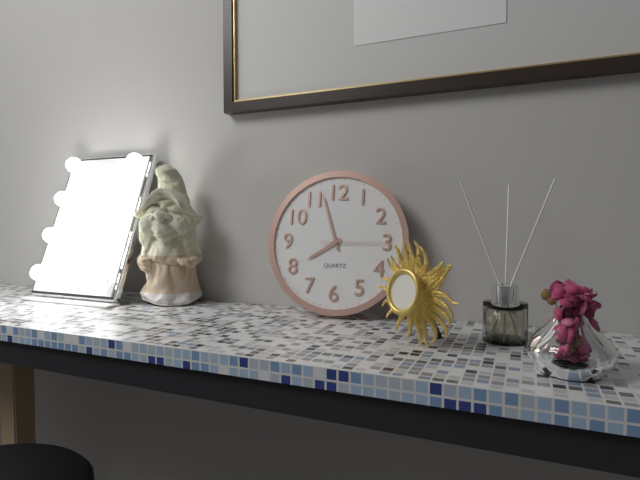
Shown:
7h57m15s
